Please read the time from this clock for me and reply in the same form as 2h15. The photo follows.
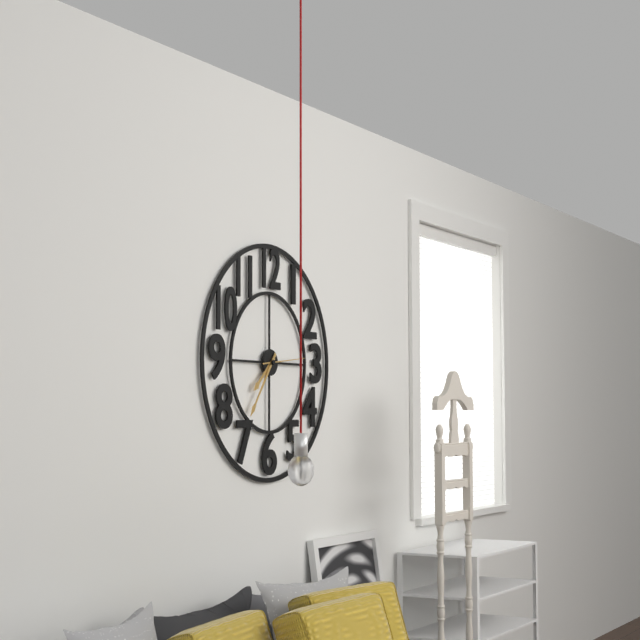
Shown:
7h36
